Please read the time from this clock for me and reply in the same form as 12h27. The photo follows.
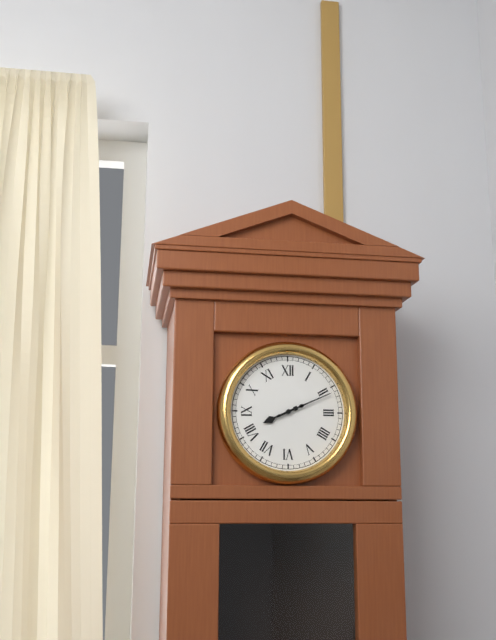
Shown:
8h11
